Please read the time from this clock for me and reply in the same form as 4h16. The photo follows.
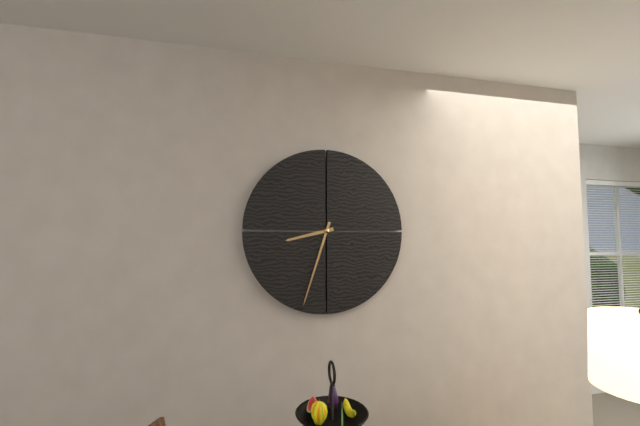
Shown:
8h33
